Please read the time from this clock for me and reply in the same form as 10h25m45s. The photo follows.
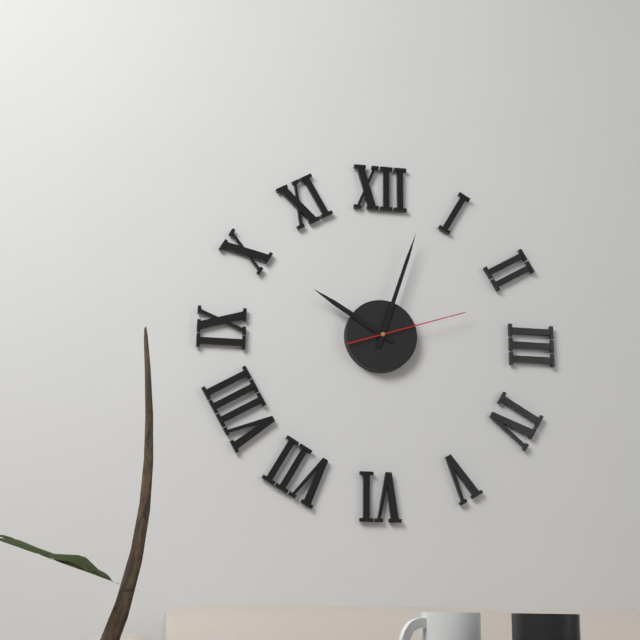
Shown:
10h03m12s
